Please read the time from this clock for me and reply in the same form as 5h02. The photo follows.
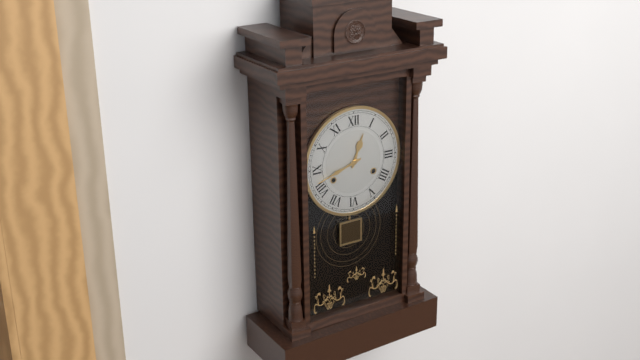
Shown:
12h42
